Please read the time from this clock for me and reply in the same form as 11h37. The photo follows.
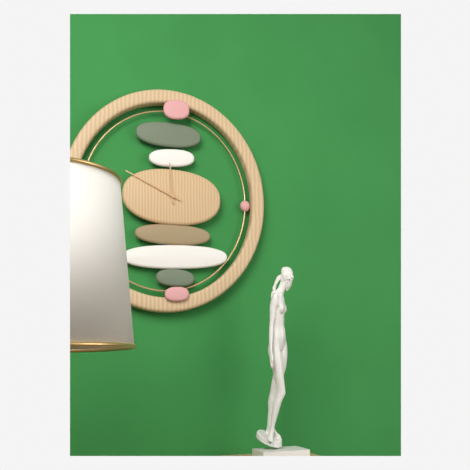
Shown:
11h49
